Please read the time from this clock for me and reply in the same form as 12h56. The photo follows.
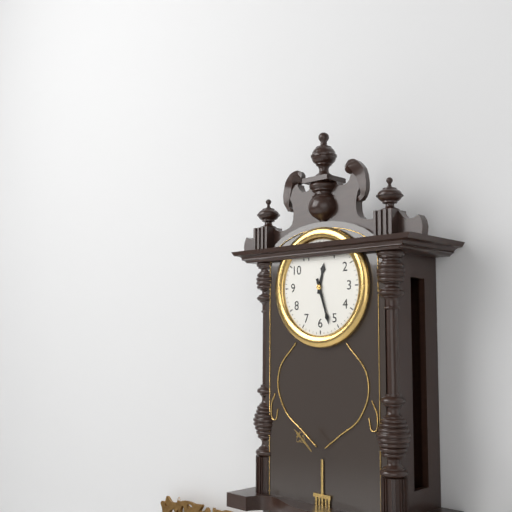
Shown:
12h27
